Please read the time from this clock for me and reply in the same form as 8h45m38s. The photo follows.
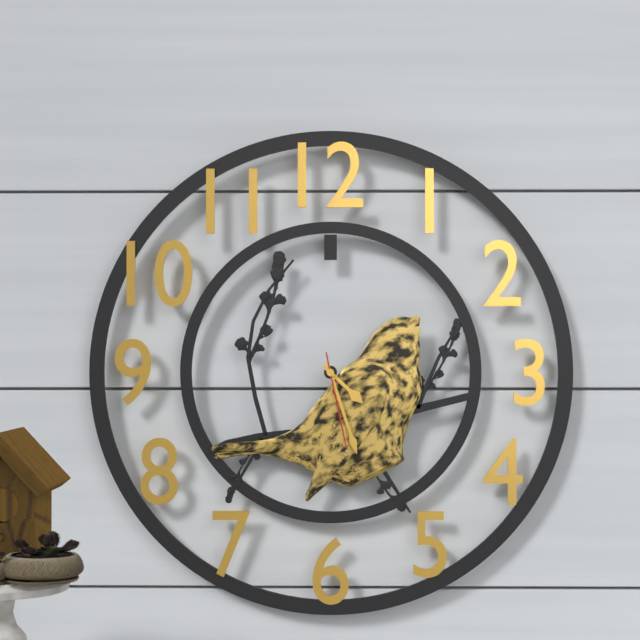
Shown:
4h27m28s
